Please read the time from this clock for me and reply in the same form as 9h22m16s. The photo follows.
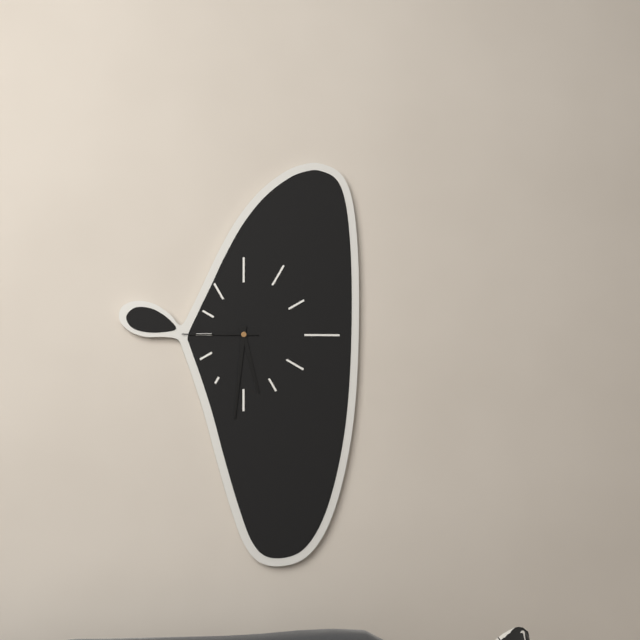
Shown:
5h31m45s
